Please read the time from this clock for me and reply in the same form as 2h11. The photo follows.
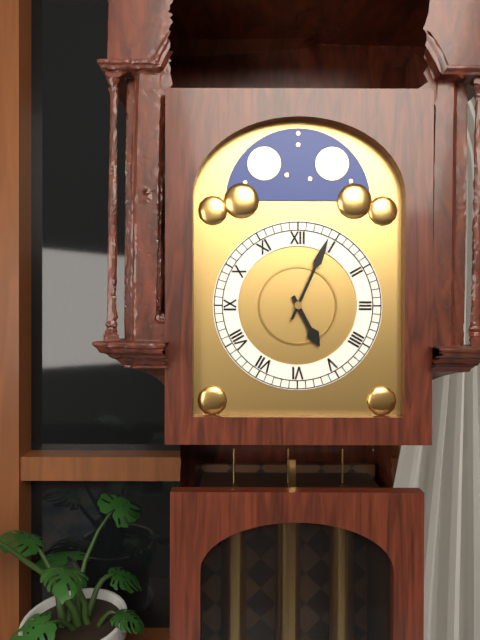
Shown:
5h04
